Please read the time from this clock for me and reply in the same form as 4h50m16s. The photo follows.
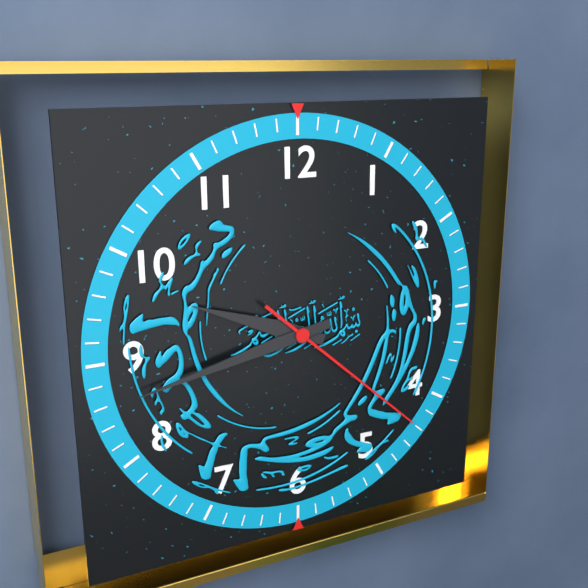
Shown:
9h43m22s
